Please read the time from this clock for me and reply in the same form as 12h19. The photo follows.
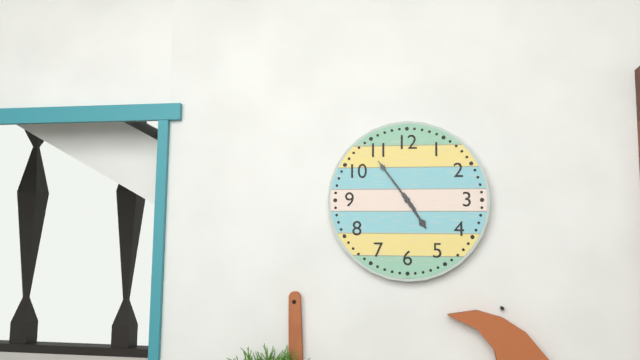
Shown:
4h54
